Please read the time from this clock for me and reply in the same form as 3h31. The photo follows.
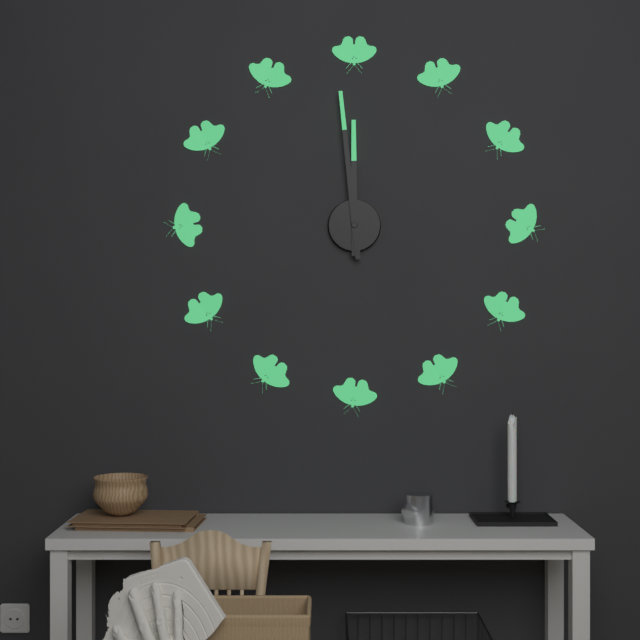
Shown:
11h59
